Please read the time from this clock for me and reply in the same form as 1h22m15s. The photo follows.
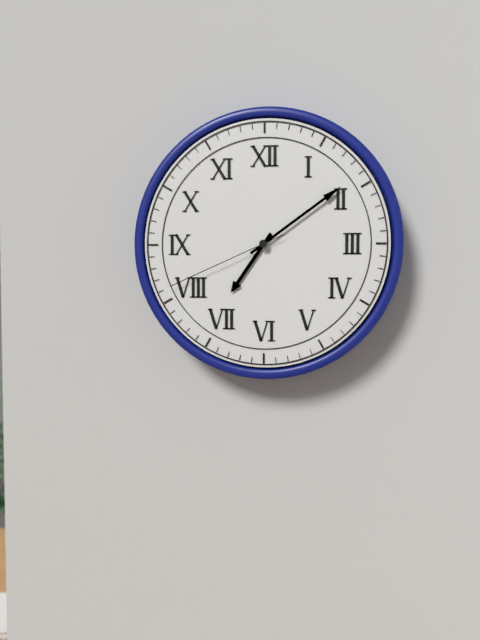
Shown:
7h09m41s
